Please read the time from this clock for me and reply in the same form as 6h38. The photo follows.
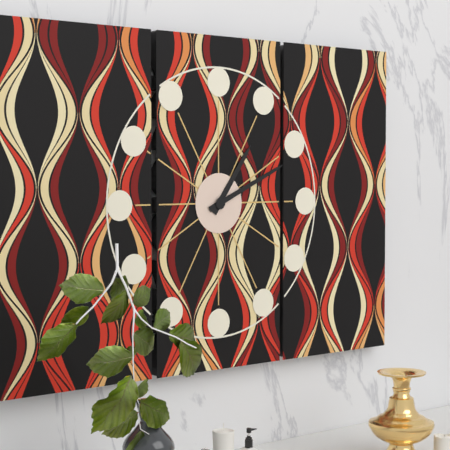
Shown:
1h11
